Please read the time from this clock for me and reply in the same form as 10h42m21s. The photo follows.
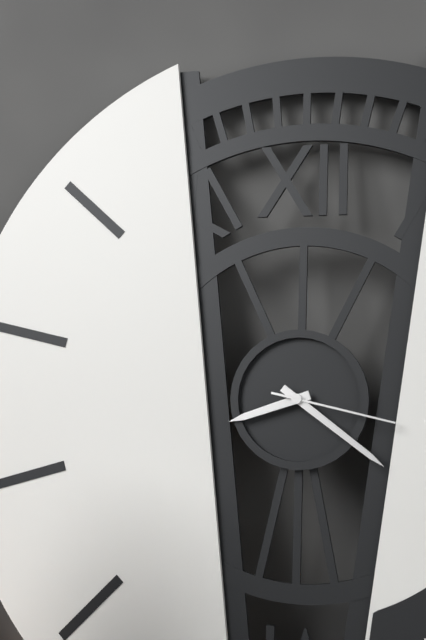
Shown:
8h21m17s
